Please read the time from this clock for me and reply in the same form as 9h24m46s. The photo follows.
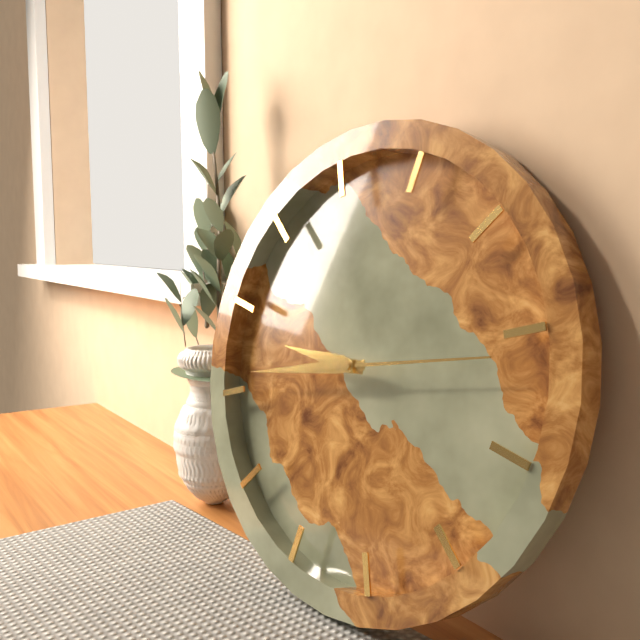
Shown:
8h41m11s
